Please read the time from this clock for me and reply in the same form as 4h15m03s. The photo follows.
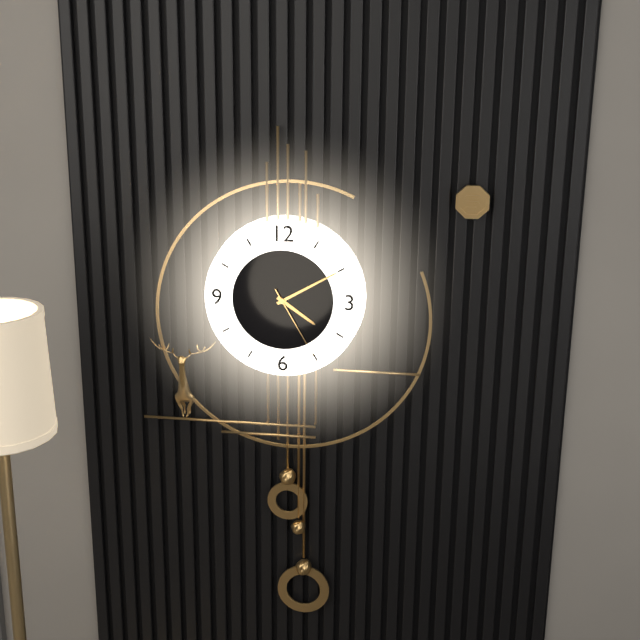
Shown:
4h10m25s
